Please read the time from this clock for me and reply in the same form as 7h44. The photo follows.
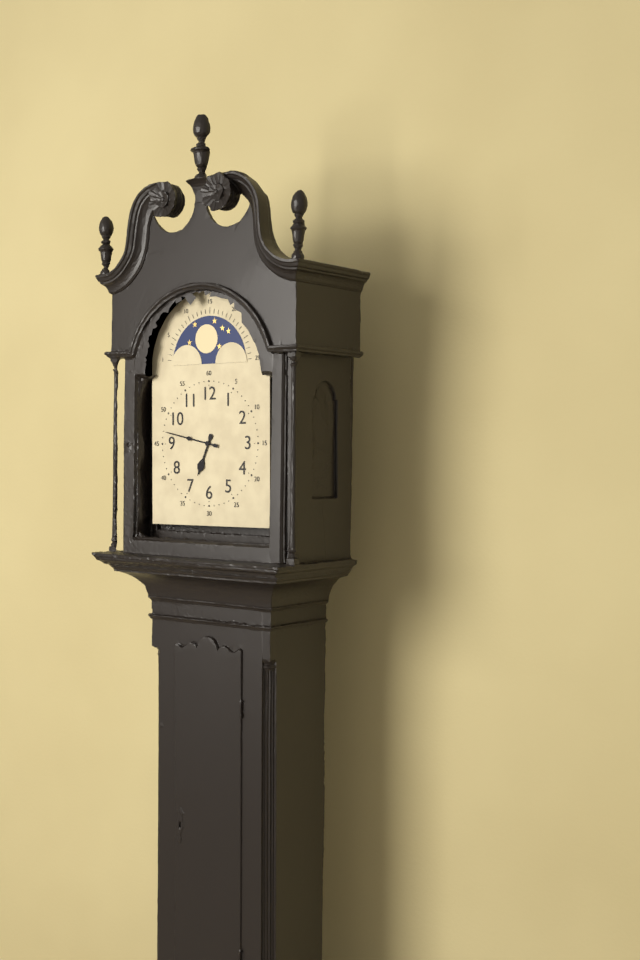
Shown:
6h47
